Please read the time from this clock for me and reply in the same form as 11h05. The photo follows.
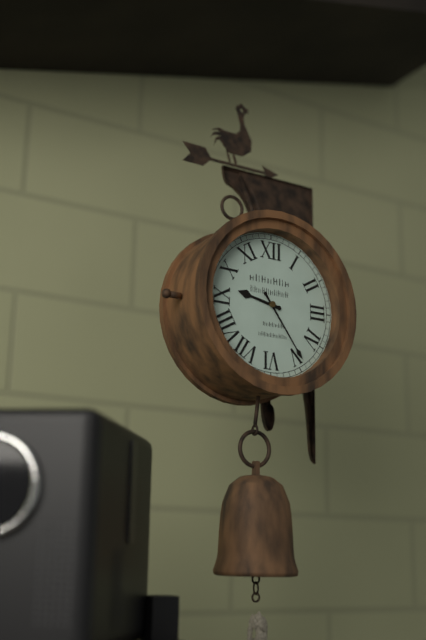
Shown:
9h24
